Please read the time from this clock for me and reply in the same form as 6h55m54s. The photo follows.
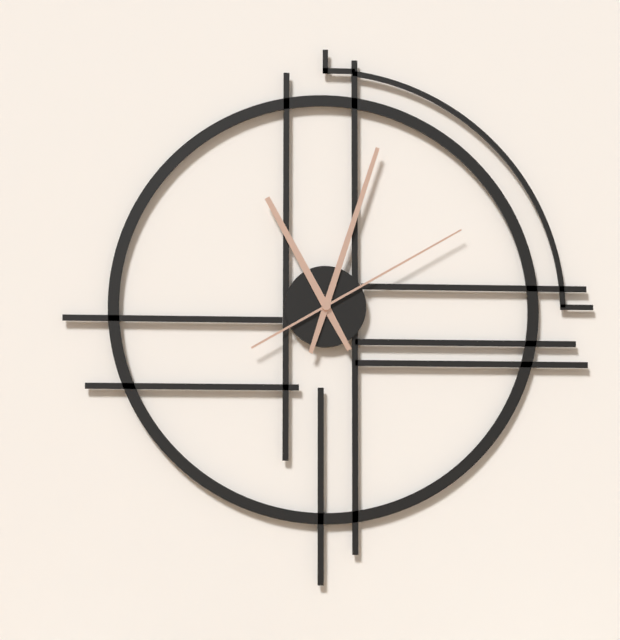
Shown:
11h03m10s
